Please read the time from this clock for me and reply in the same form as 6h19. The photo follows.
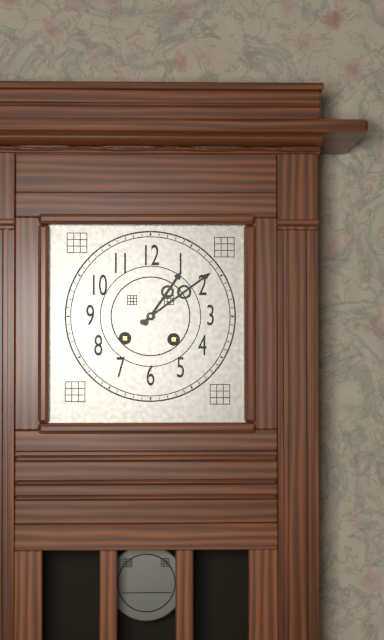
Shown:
1h09
